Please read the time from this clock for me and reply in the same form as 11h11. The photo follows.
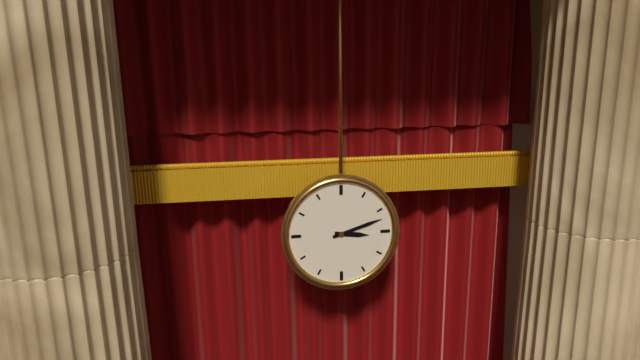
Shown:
3h12
